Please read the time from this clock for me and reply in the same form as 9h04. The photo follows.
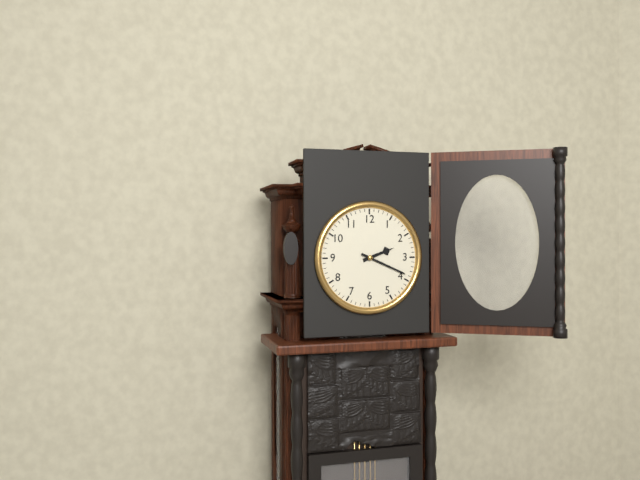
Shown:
2h19
